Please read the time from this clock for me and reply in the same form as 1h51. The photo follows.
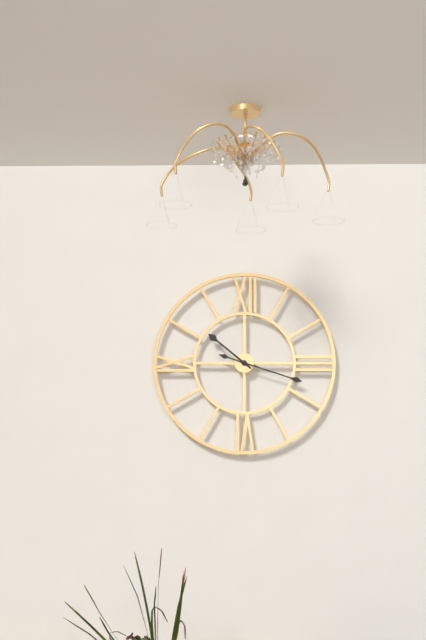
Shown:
10h18
